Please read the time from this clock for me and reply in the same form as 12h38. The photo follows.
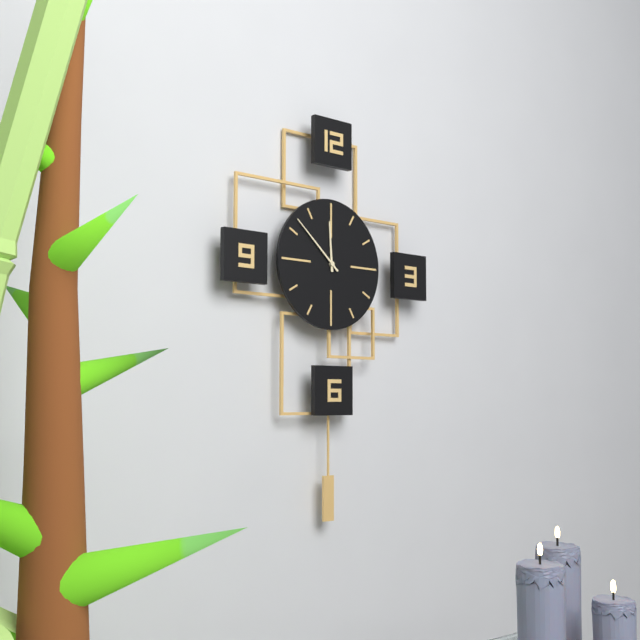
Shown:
11h52
